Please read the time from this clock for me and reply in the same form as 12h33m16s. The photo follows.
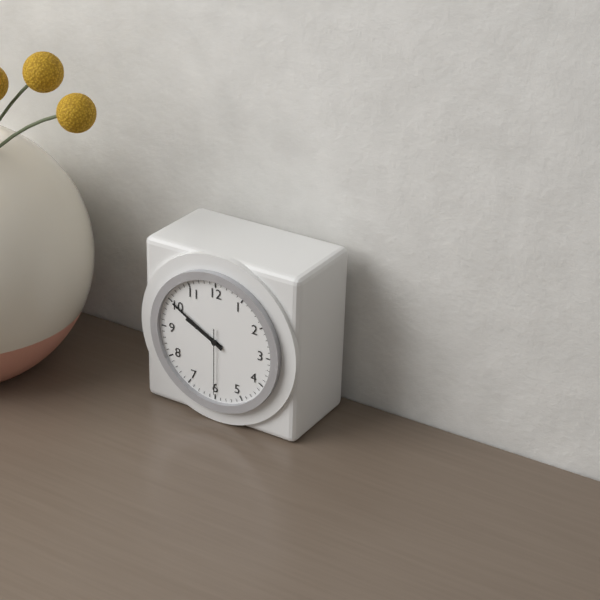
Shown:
9h50m30s
